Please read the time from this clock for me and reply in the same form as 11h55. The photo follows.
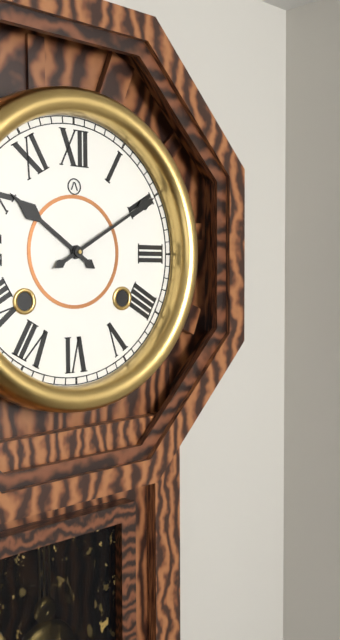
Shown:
10h10
